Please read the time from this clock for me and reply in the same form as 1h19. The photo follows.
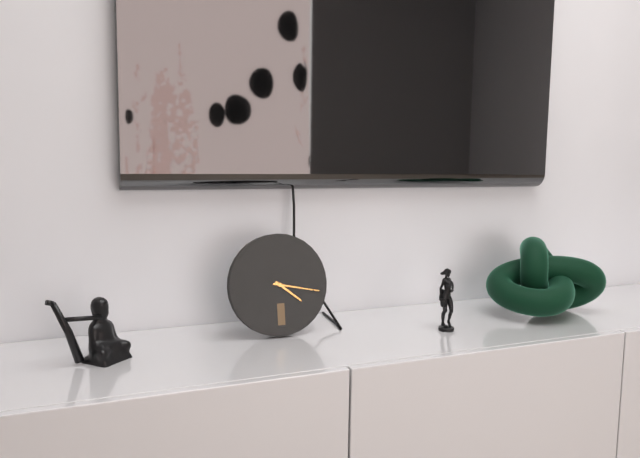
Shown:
4h17
